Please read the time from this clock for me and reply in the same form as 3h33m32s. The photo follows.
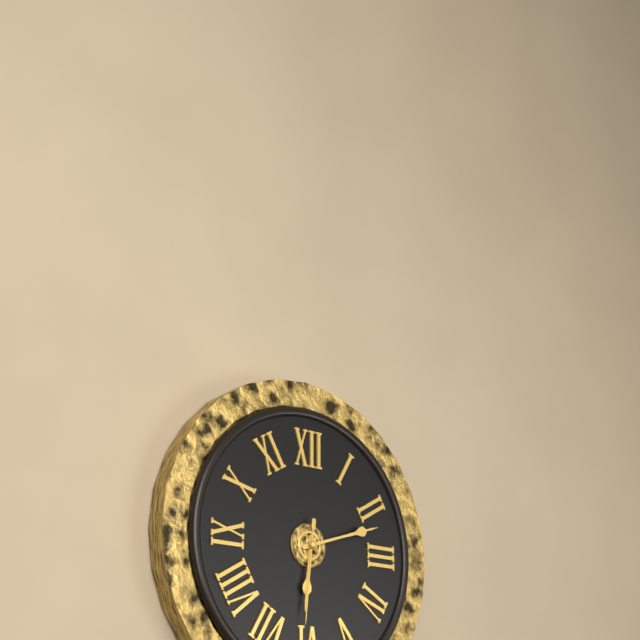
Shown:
6h12m31s
